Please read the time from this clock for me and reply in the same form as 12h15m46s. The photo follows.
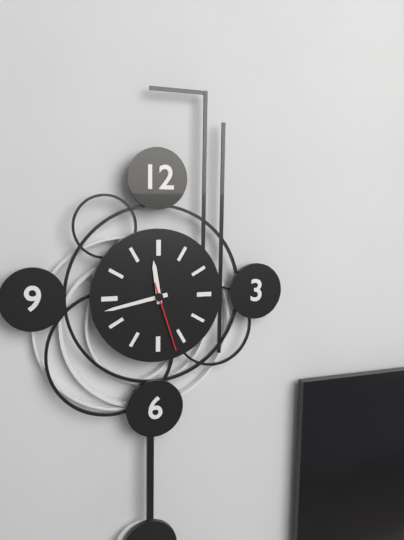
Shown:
11h43m27s
